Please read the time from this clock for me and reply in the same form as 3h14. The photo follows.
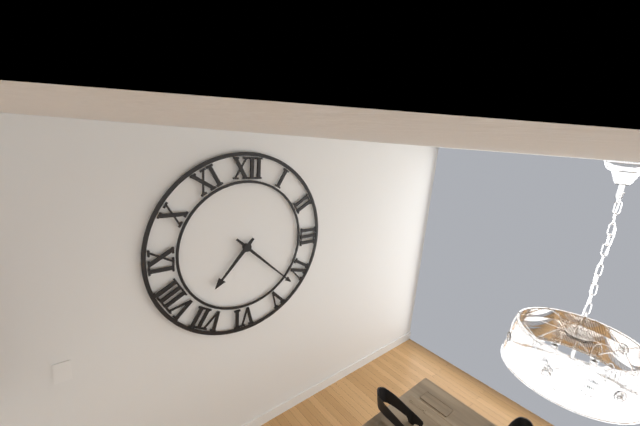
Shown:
7h22
